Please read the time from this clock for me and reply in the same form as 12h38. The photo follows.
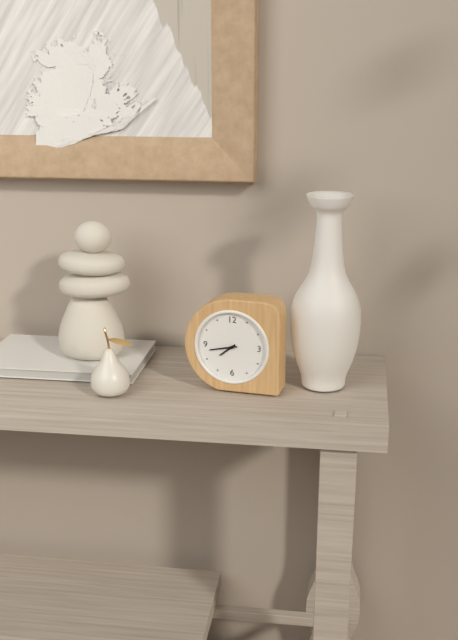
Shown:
7h43
